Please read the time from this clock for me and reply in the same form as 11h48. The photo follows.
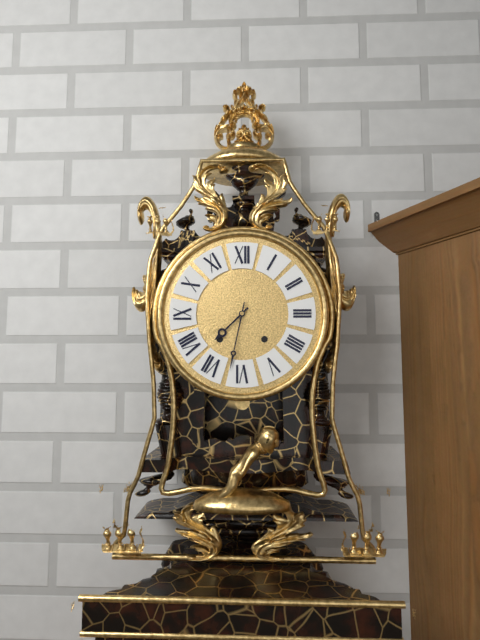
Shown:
7h32
